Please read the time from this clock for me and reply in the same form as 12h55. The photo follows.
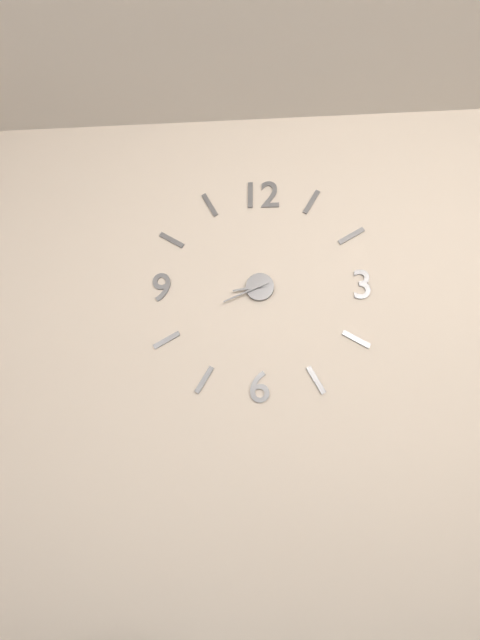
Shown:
8h41
